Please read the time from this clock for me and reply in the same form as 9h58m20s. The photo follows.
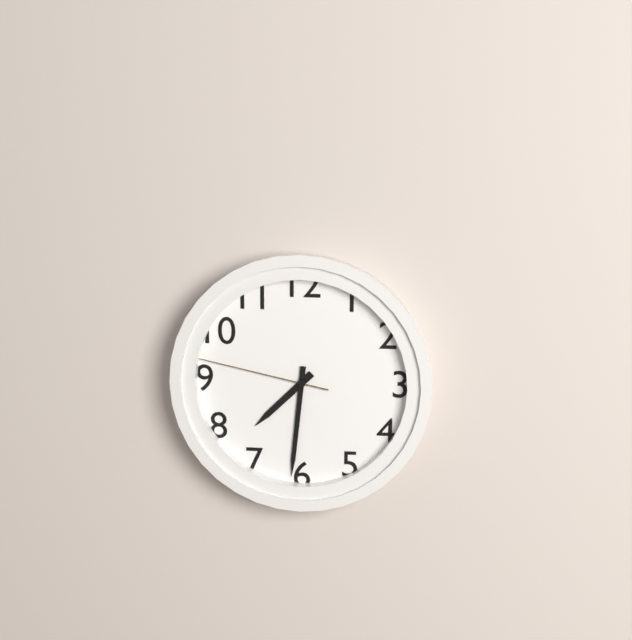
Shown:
7h31m47s
